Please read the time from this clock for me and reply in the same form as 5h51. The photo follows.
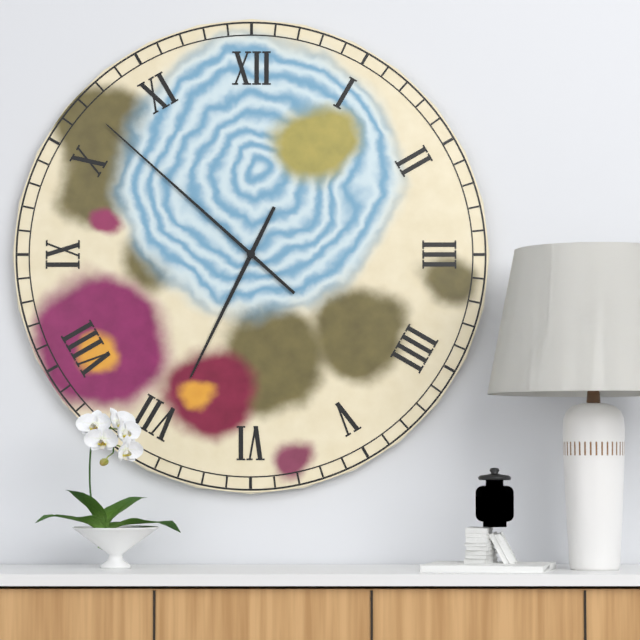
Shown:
6h52
